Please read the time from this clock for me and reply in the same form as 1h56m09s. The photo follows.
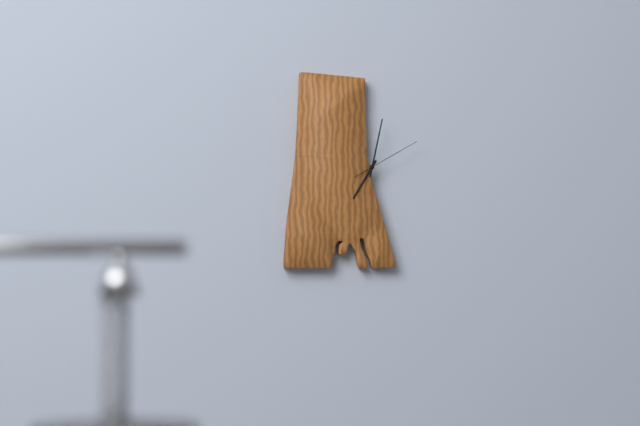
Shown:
7h02m10s
